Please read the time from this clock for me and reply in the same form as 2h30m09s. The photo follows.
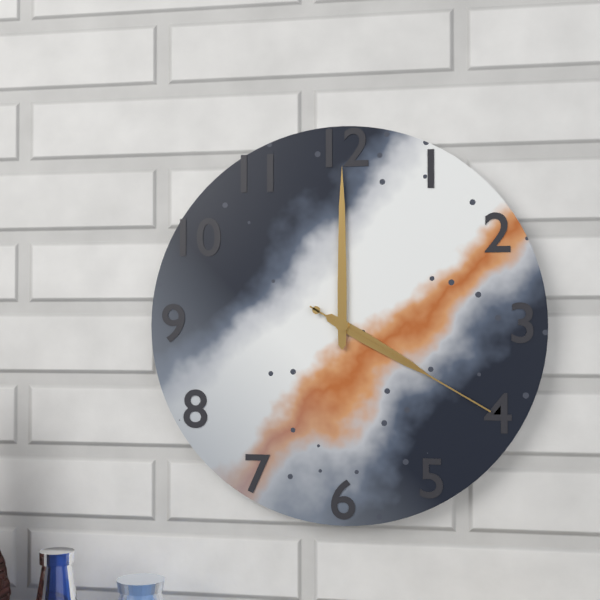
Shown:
4h00m20s
